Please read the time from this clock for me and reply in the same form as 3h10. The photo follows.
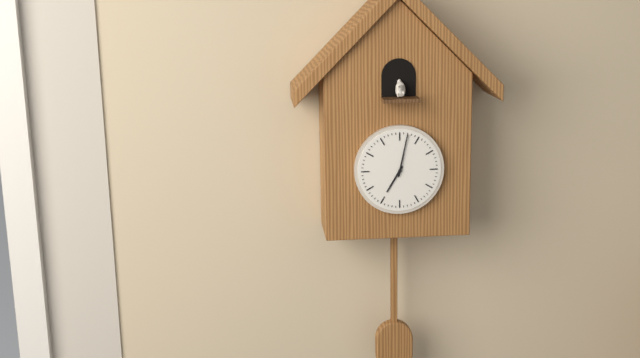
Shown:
7h02
